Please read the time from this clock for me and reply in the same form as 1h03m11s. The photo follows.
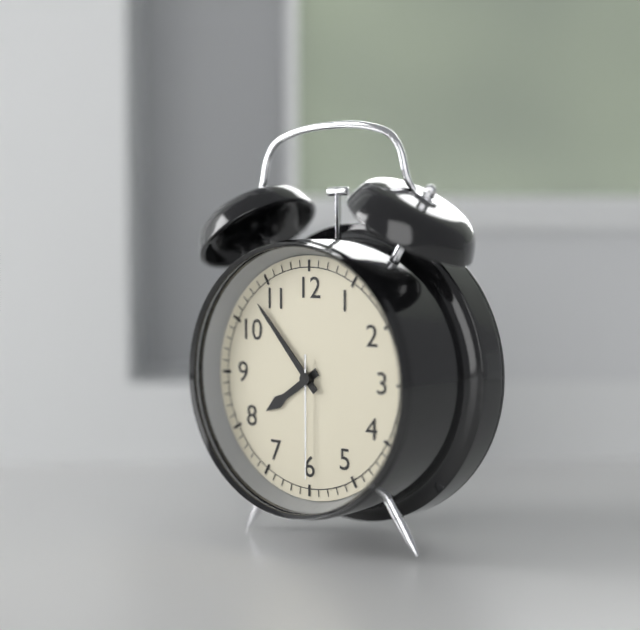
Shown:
7h53m30s
